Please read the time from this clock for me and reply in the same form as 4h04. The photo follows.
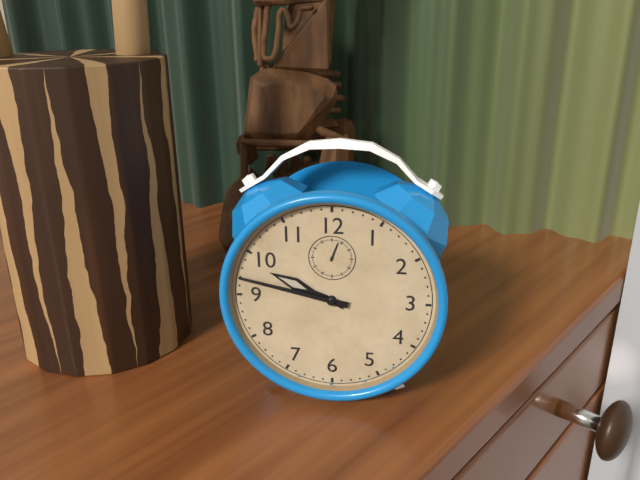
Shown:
9h47
